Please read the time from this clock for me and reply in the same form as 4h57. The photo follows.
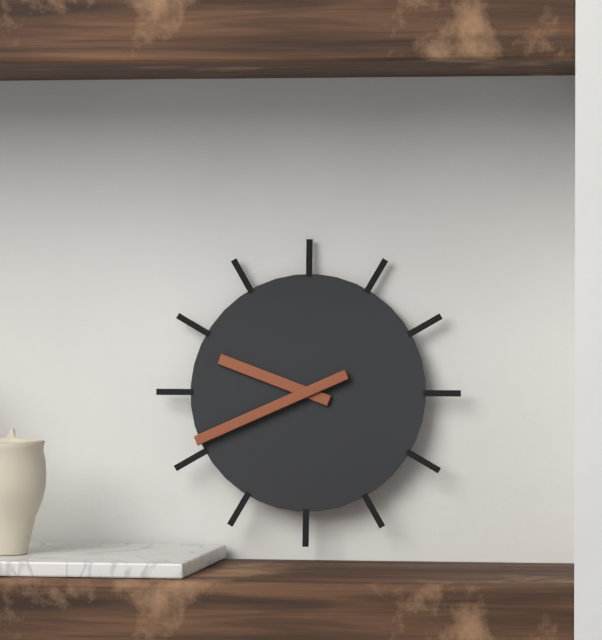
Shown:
9h41
